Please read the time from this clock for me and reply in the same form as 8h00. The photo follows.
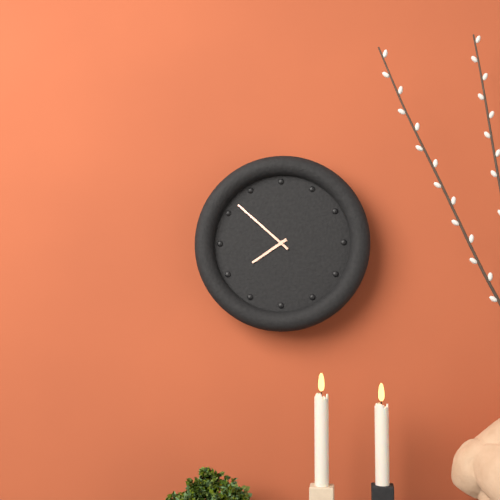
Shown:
7h52
